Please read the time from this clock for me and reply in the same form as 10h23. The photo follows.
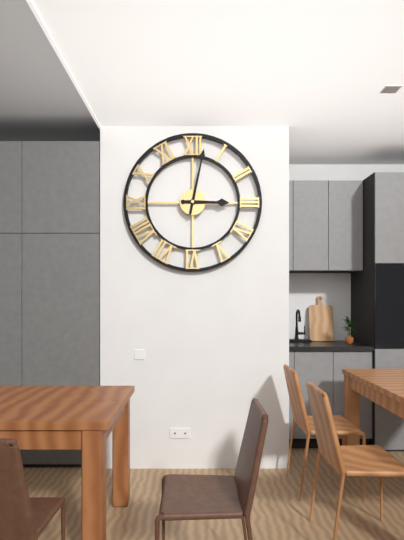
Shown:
3h02
